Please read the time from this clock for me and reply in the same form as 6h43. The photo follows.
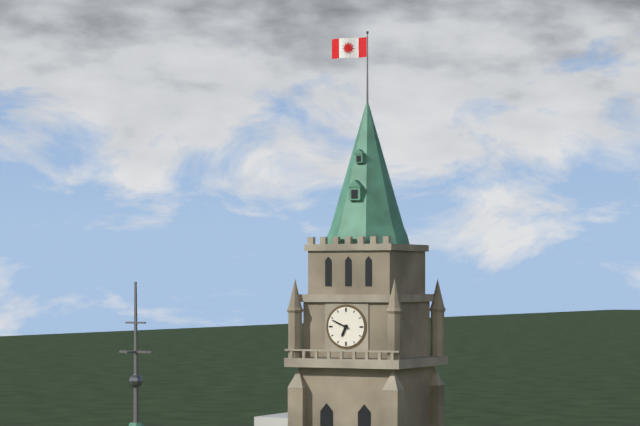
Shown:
6h49
